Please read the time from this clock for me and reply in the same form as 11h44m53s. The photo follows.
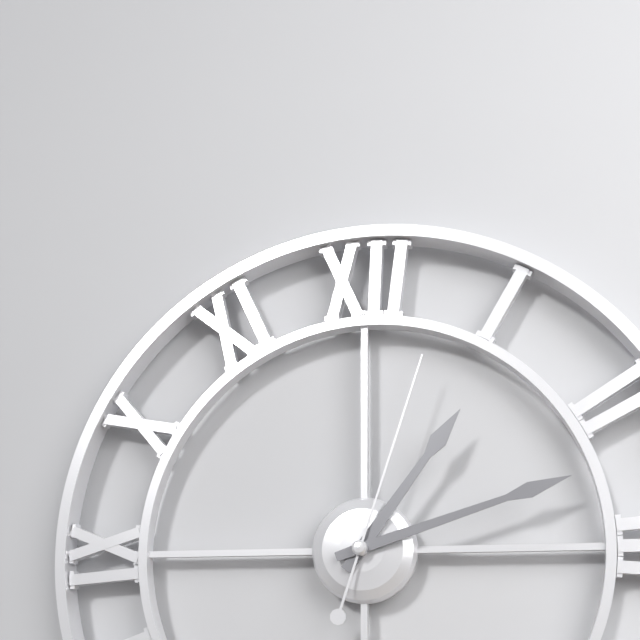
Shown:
1h12m03s
